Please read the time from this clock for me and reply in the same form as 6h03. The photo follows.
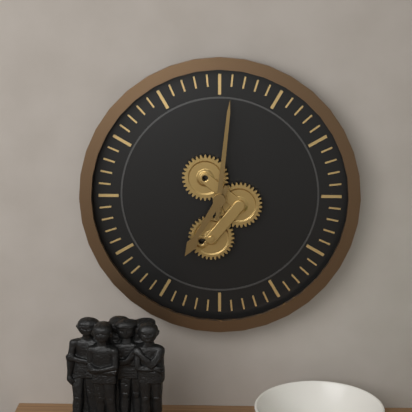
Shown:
7h01
